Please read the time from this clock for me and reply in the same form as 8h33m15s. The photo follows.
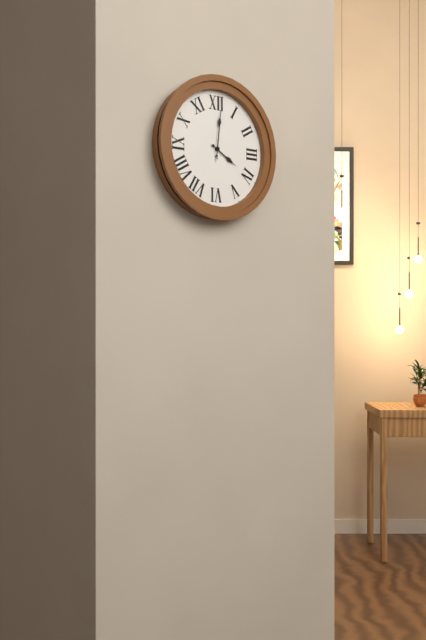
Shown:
4h01m01s
